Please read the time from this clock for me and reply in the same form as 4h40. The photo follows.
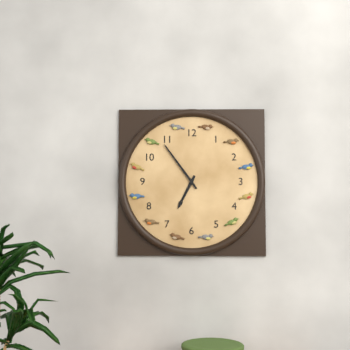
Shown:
6h54
